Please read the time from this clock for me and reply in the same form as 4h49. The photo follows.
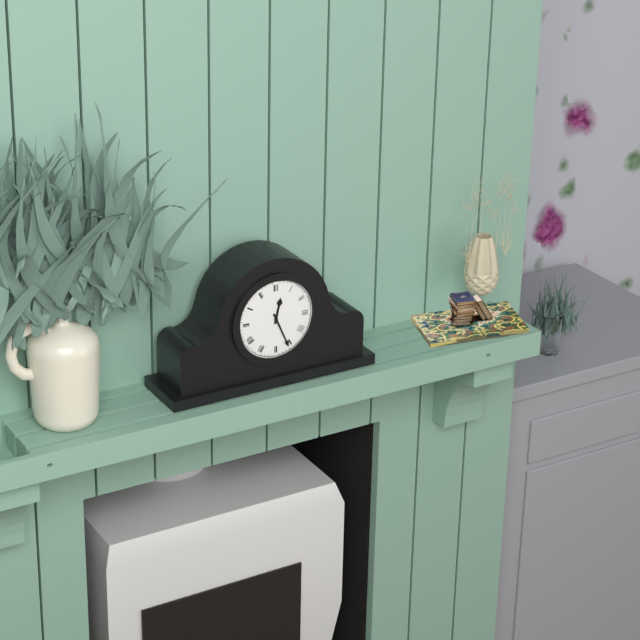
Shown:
12h26
